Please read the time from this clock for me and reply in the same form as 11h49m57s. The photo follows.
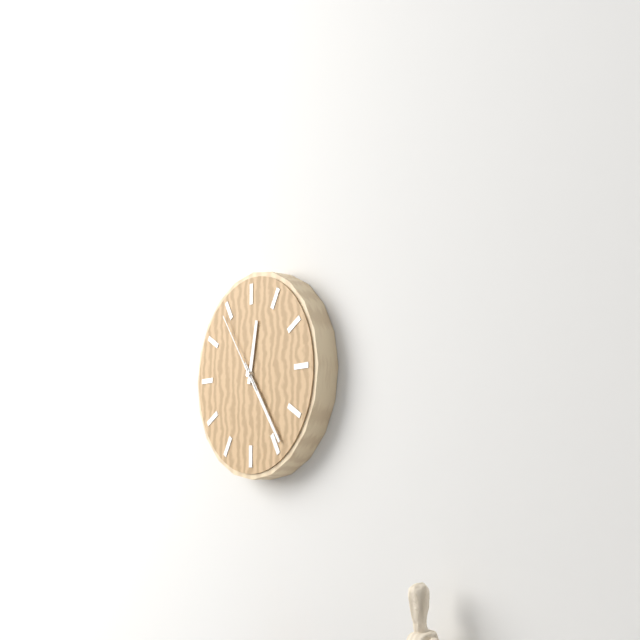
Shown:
12h24m54s
